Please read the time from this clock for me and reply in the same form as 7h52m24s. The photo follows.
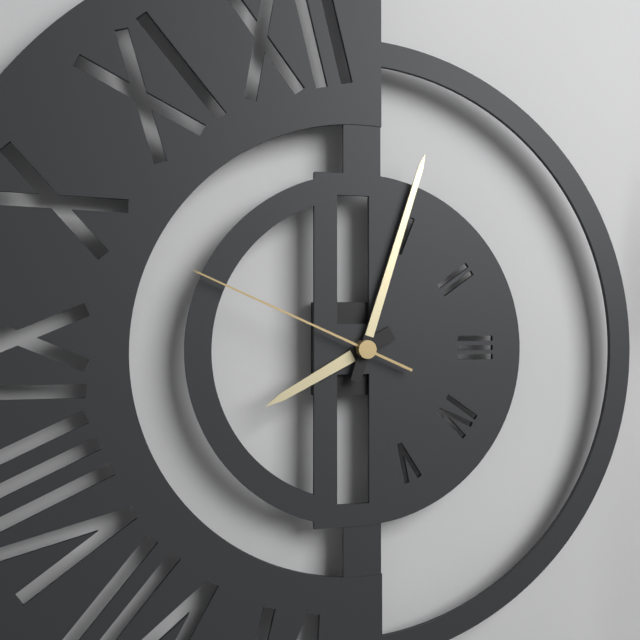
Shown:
8h03m49s
